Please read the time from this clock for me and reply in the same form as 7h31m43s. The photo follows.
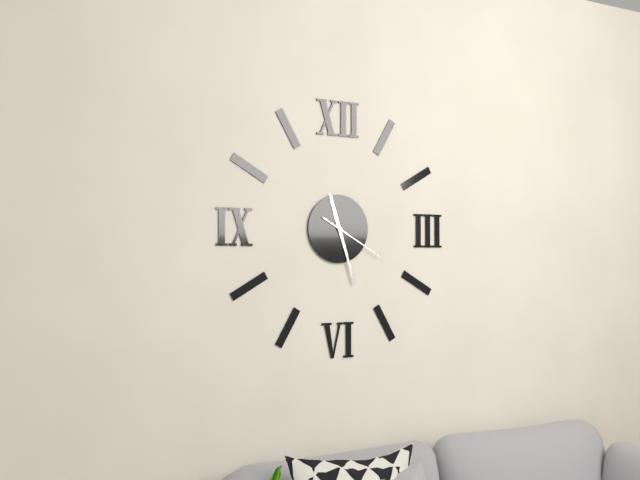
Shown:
11h27m20s
